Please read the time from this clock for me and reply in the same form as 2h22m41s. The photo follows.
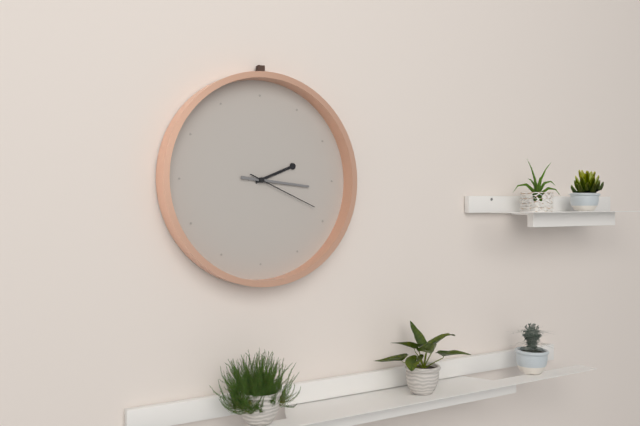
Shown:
2h16m19s
